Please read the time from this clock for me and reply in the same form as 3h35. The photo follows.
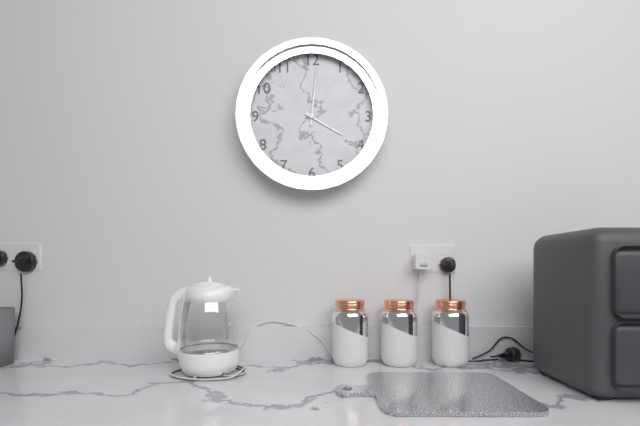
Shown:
4h01
